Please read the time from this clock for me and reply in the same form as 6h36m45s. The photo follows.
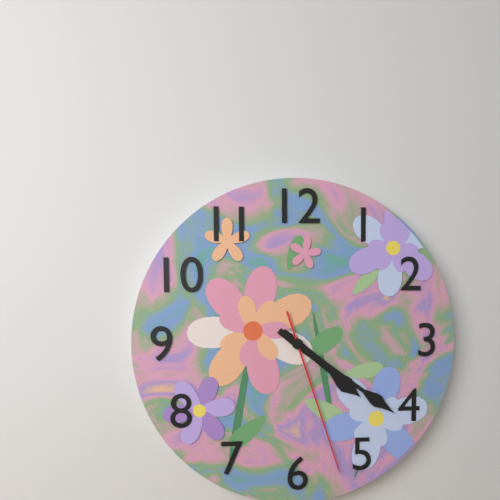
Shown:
4h21m27s
